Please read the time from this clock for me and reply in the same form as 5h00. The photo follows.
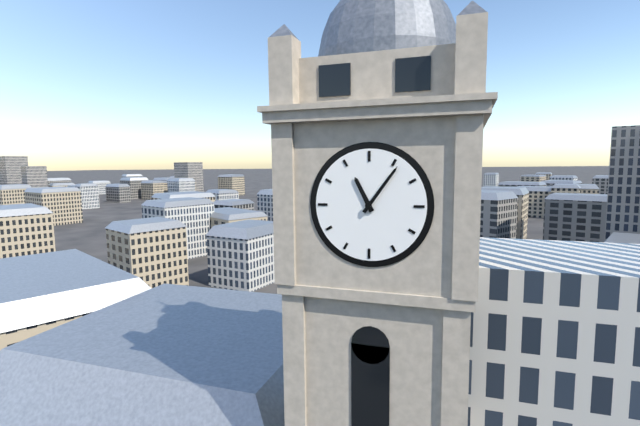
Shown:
11h06
